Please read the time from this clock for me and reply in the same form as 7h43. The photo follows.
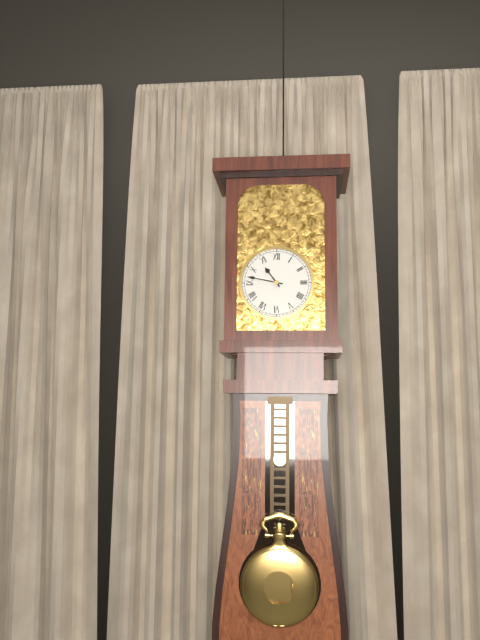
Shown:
10h47
